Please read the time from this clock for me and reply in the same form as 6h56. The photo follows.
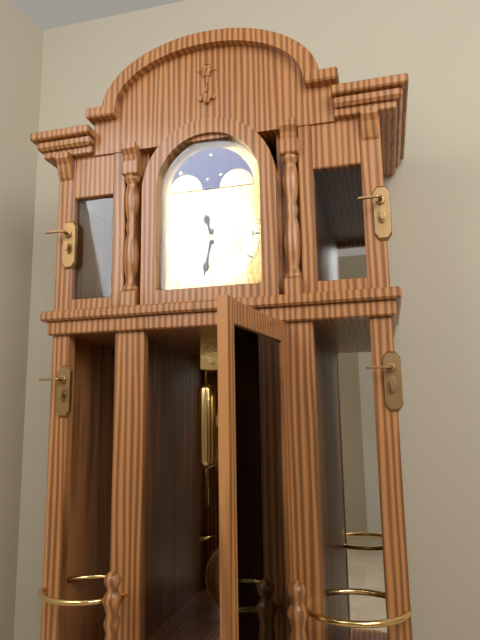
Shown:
11h32
